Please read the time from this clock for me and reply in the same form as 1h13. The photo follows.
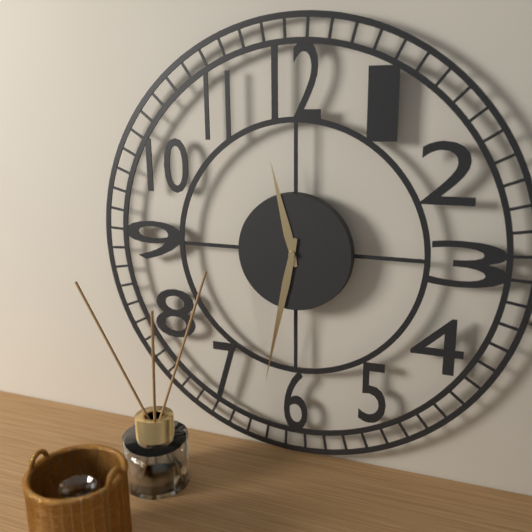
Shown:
11h32
